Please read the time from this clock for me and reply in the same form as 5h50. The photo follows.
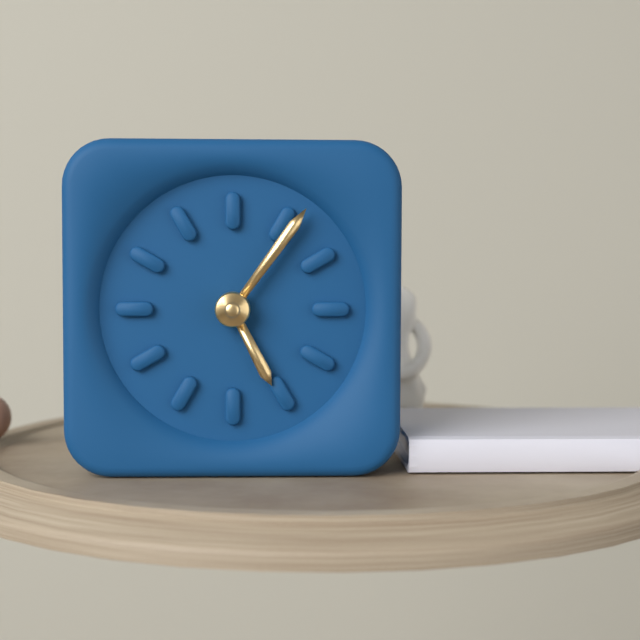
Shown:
5h06
